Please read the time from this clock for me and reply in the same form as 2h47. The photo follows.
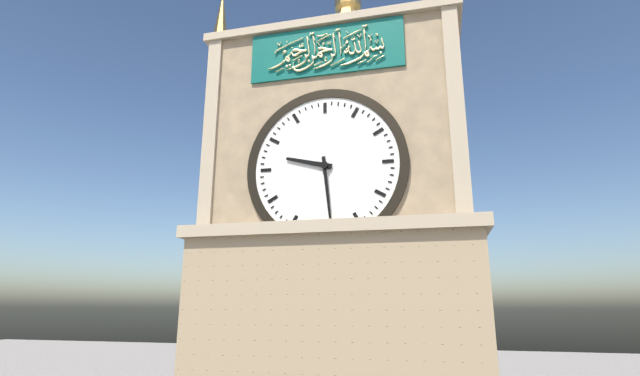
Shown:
9h29
